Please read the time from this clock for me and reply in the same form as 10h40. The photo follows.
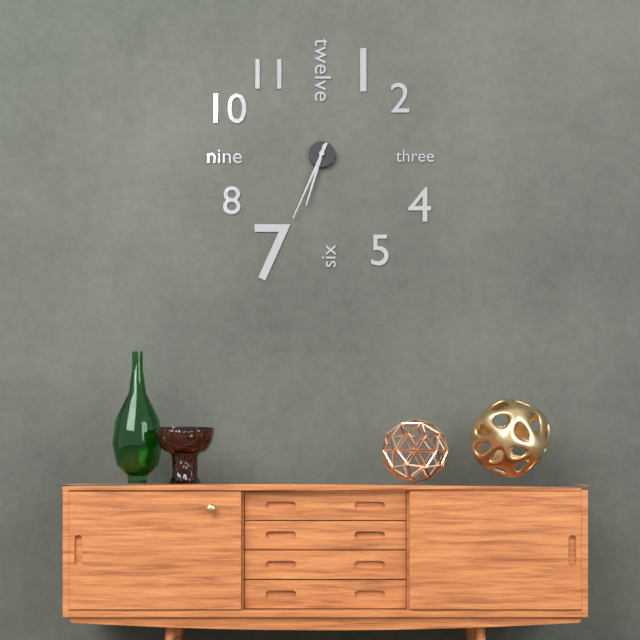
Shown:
6h34
